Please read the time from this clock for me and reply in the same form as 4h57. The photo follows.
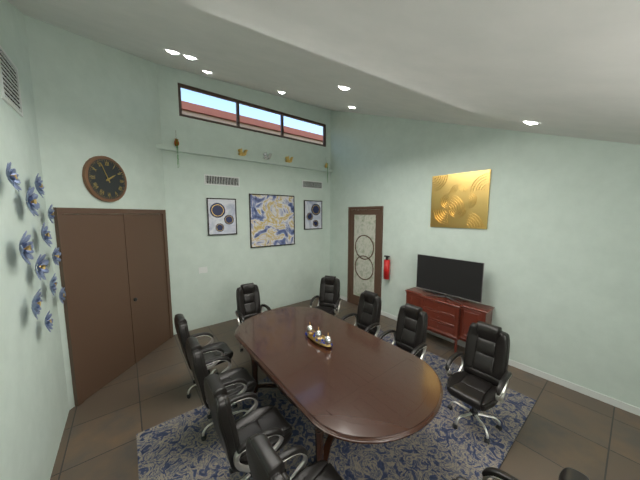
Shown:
1h56
